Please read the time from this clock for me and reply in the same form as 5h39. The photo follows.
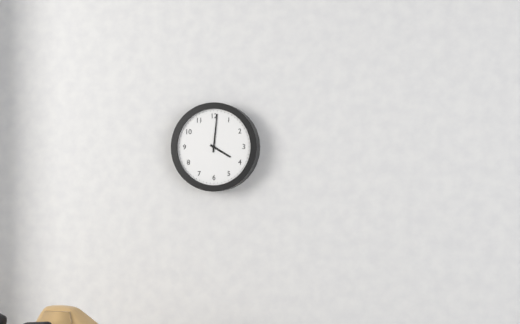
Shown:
4h01
